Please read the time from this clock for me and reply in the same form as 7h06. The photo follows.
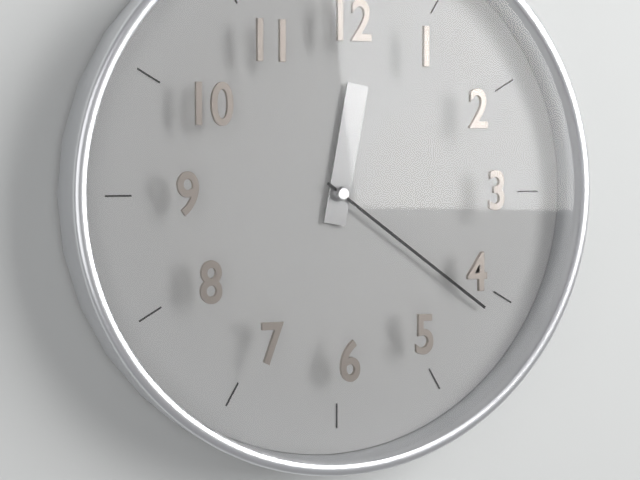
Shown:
12h21
